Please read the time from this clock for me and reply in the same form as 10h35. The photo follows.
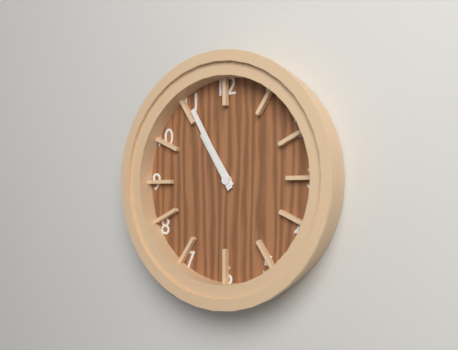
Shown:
10h55
